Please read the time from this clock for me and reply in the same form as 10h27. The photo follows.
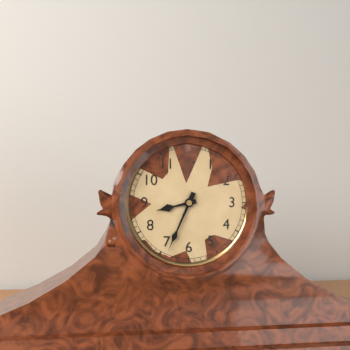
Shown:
8h34
